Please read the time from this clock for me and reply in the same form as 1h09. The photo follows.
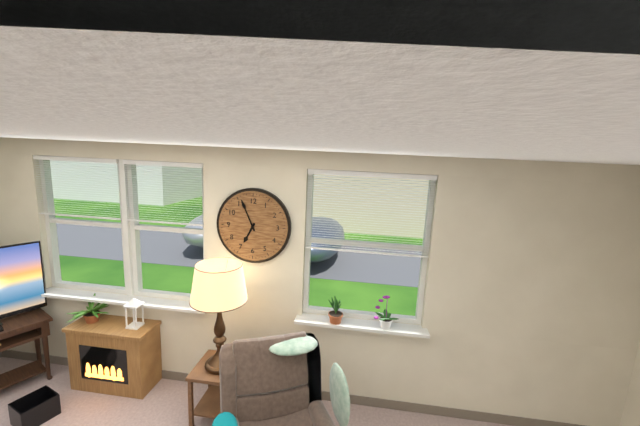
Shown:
6h56
